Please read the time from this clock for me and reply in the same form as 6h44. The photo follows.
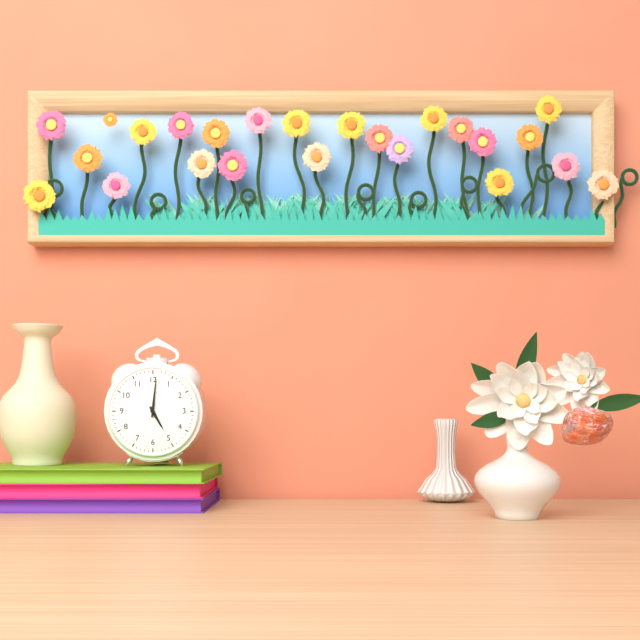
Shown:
5h01
